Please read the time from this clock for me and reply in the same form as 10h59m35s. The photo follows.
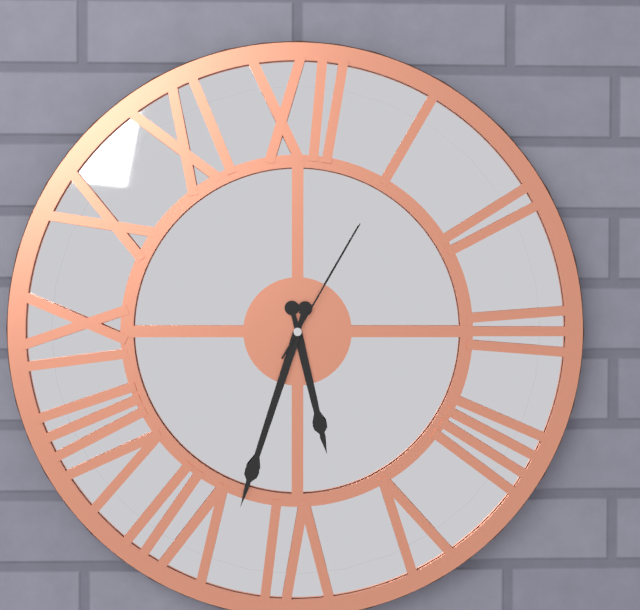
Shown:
5h33m05s
